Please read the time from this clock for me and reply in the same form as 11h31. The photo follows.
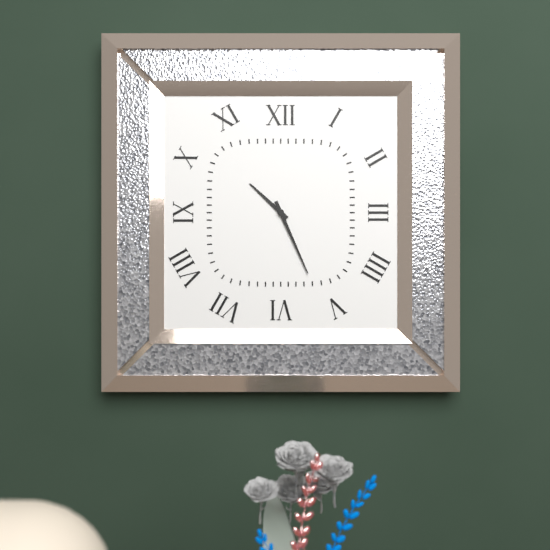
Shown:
10h26
